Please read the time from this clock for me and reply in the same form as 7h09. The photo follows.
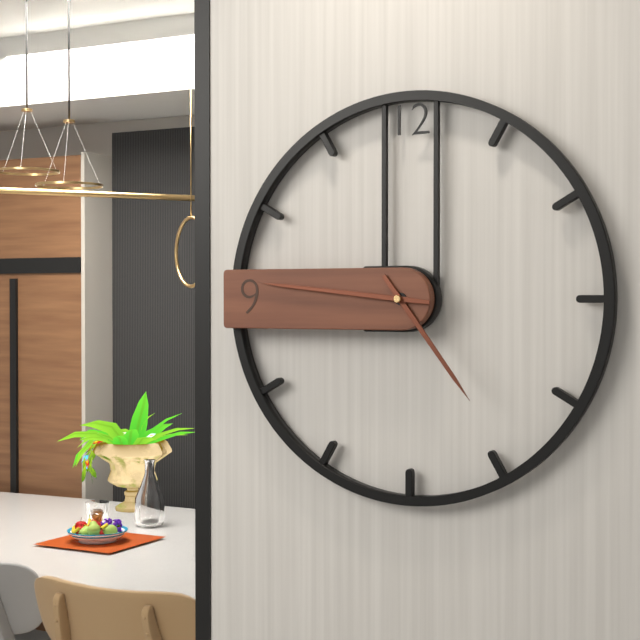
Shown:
4h46
